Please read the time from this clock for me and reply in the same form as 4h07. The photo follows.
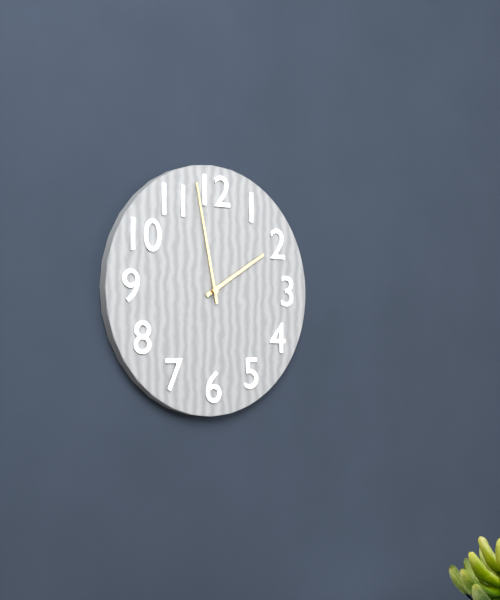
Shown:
1h58
